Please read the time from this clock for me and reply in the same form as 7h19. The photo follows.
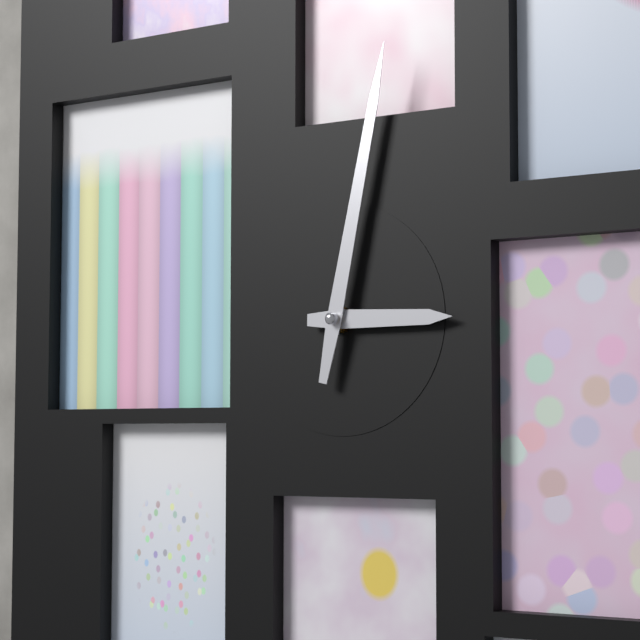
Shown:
3h02
